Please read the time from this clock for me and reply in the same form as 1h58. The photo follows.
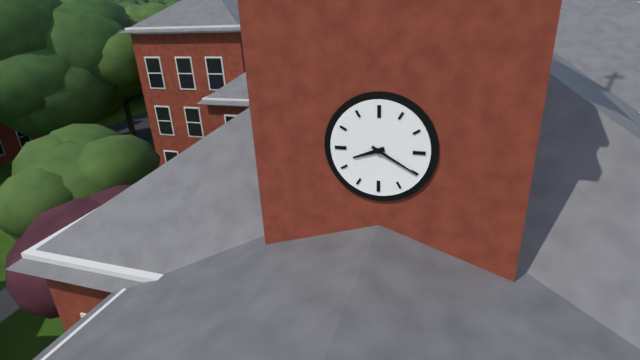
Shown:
8h20
